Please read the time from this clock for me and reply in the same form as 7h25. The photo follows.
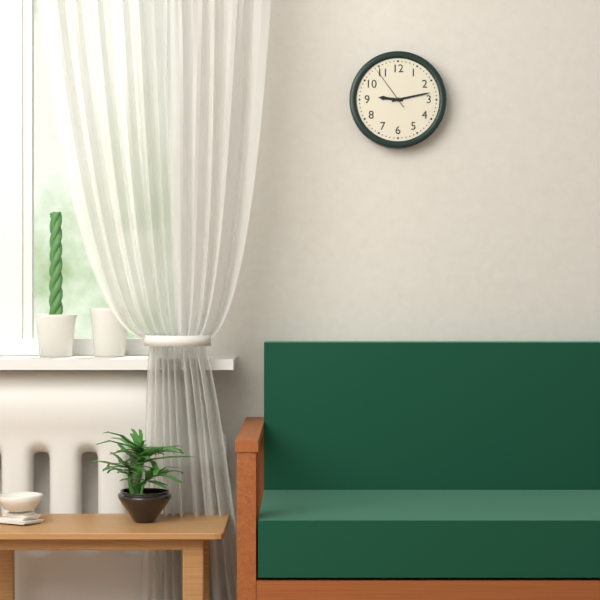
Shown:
9h13
